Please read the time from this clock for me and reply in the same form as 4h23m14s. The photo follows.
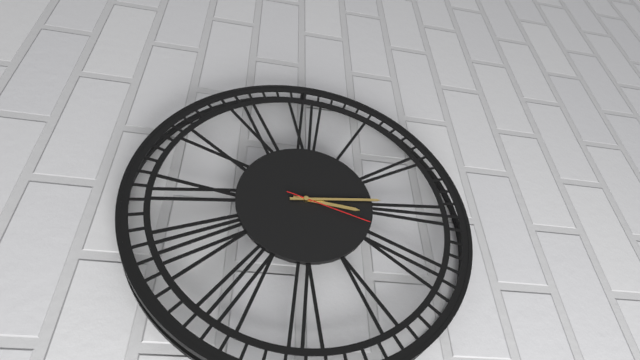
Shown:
3h14m18s
